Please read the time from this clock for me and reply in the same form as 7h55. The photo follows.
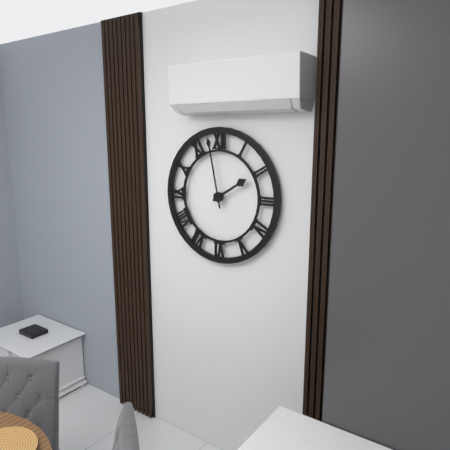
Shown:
1h58
